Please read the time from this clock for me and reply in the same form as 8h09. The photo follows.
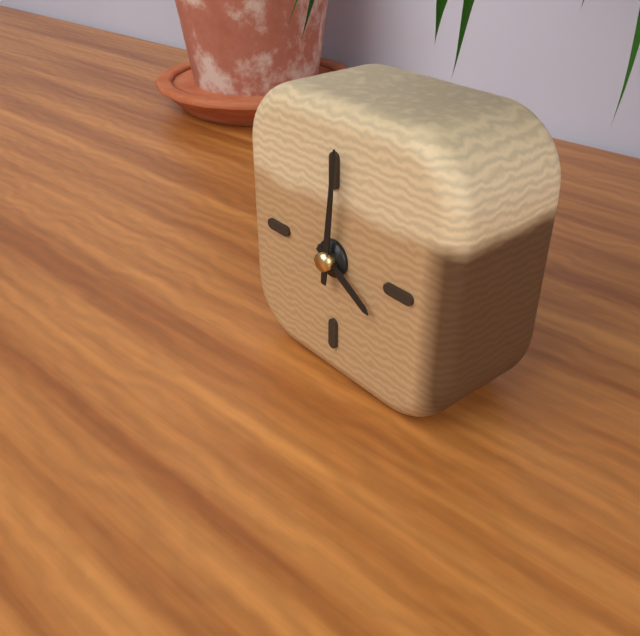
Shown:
4h01
